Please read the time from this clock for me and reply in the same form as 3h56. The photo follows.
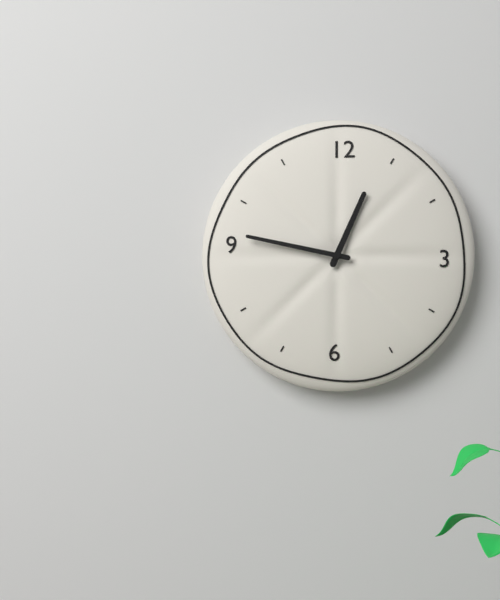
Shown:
12h47
